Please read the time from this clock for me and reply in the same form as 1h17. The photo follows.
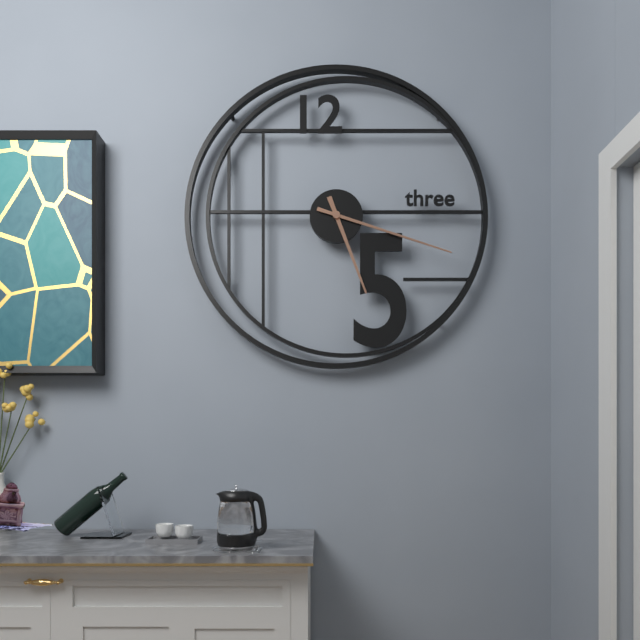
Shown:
5h18
